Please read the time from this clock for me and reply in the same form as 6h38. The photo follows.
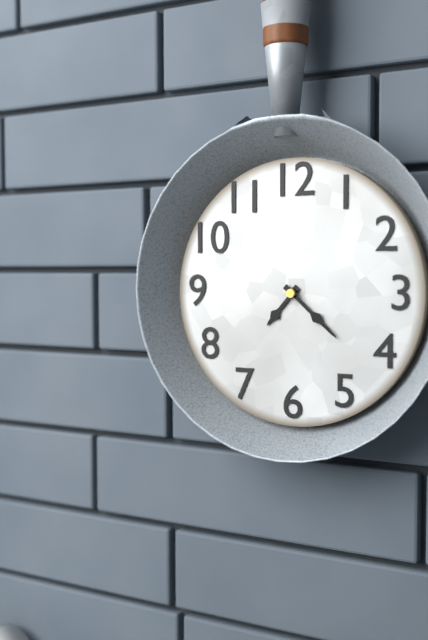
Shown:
7h22
